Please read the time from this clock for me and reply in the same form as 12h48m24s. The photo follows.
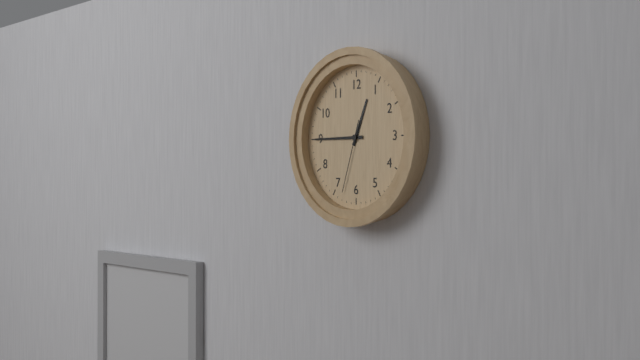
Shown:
12h45m33s
